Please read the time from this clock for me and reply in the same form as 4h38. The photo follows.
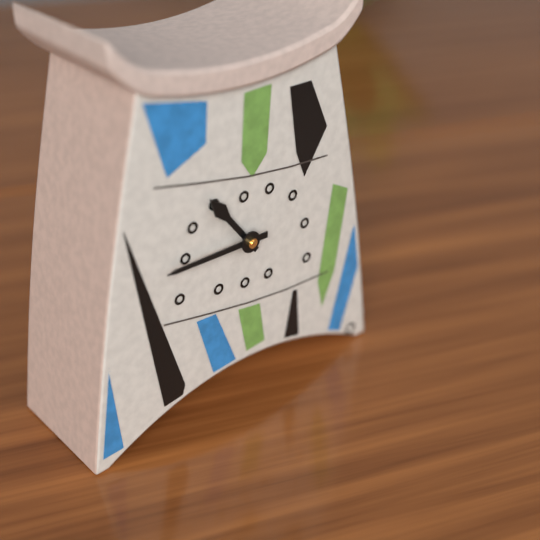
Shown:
10h45
